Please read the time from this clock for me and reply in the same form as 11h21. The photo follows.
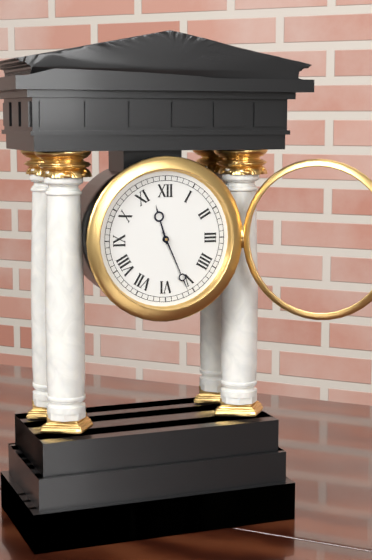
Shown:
11h26
